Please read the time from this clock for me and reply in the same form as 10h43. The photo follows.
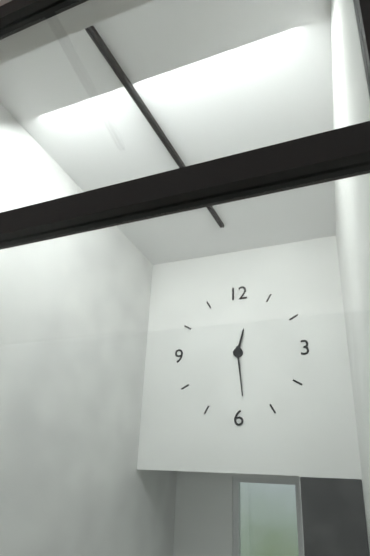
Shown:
12h29
